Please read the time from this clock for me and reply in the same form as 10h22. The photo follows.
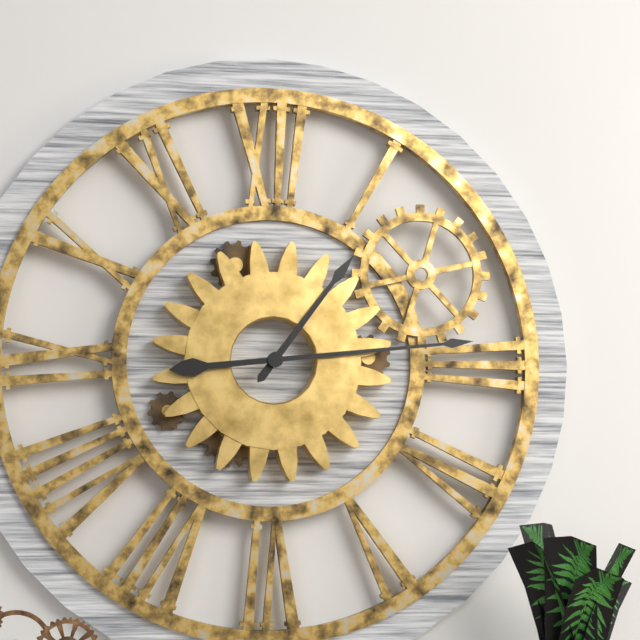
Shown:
1h14
